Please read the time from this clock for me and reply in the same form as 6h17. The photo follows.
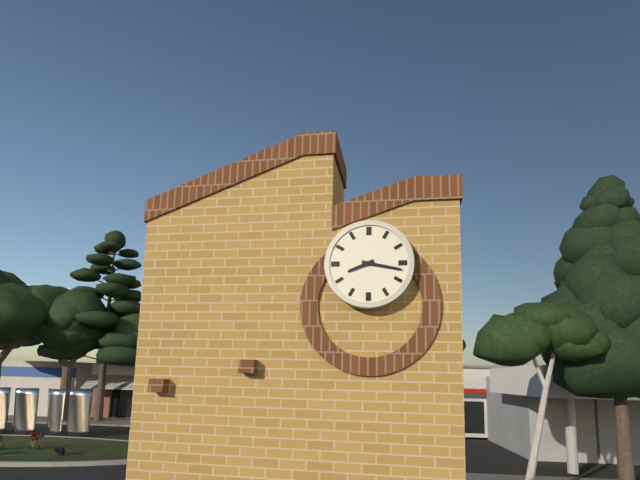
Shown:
8h17
